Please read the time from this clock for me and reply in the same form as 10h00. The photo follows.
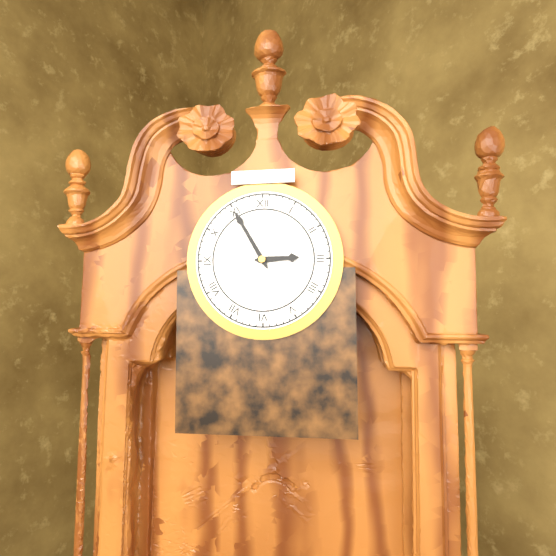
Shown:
2h55
